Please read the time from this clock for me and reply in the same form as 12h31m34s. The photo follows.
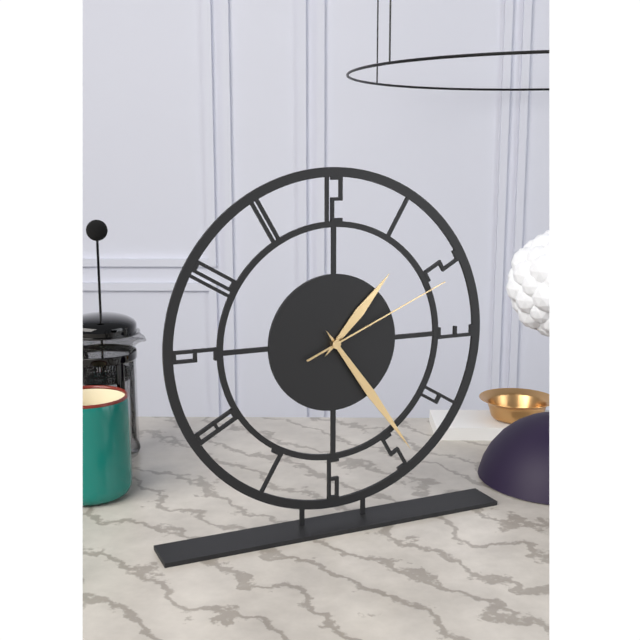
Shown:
1h24m11s
